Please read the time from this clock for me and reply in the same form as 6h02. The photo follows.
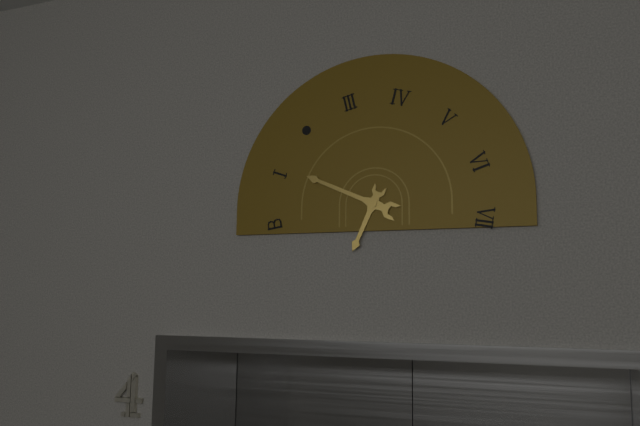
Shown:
6h49
